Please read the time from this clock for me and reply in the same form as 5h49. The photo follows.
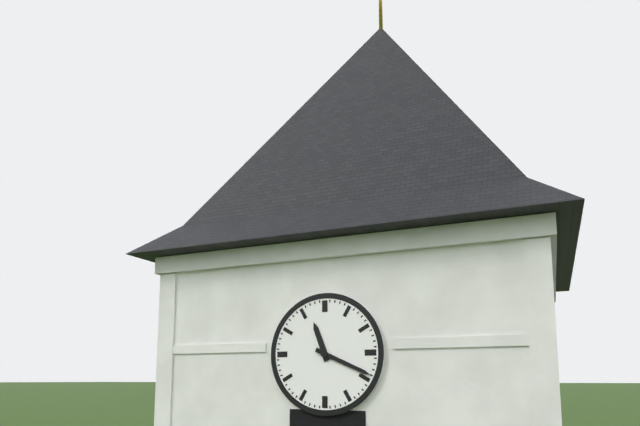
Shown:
11h19
